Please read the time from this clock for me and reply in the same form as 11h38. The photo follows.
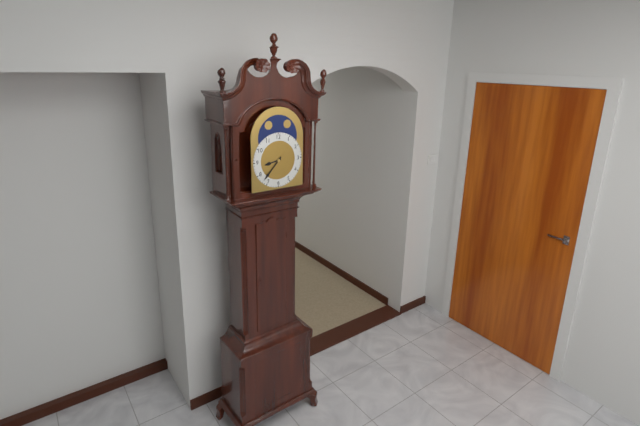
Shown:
8h37
